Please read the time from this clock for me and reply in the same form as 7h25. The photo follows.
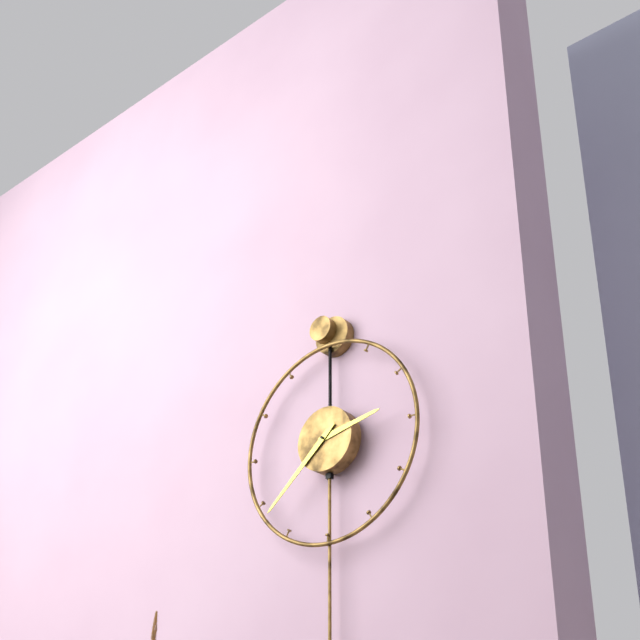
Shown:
2h38
